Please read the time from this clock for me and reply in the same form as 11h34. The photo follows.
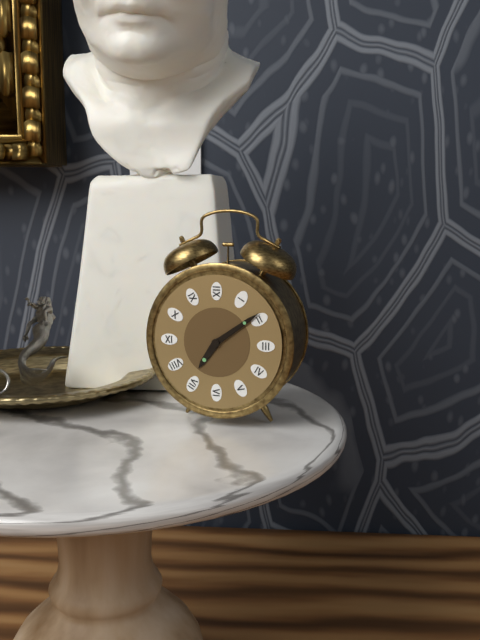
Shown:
7h09
